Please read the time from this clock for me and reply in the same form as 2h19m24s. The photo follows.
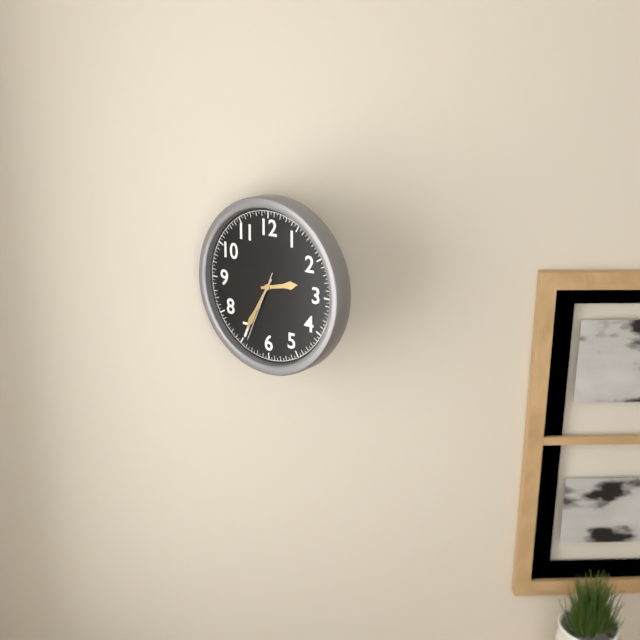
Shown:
2h35m34s
